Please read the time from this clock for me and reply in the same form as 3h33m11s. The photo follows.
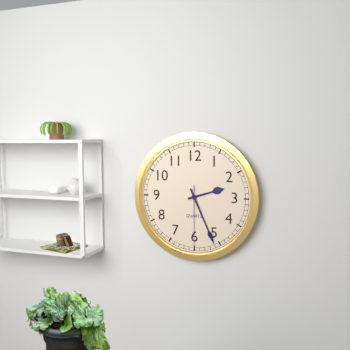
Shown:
2h26m30s
